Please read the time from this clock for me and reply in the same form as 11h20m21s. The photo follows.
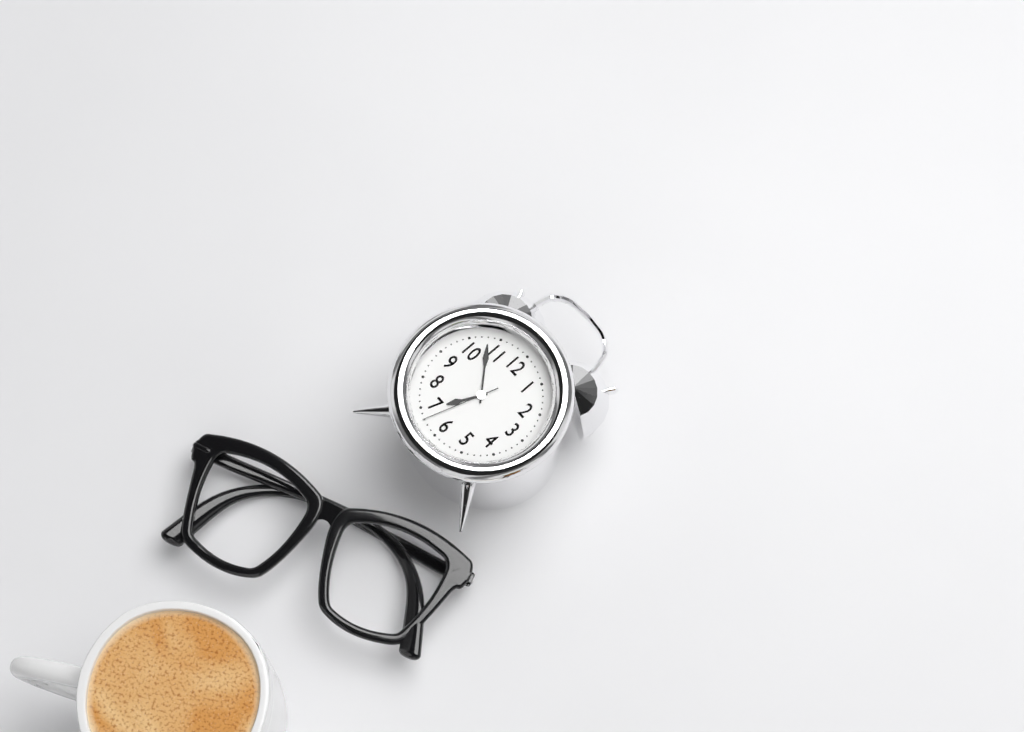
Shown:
6h53m33s
